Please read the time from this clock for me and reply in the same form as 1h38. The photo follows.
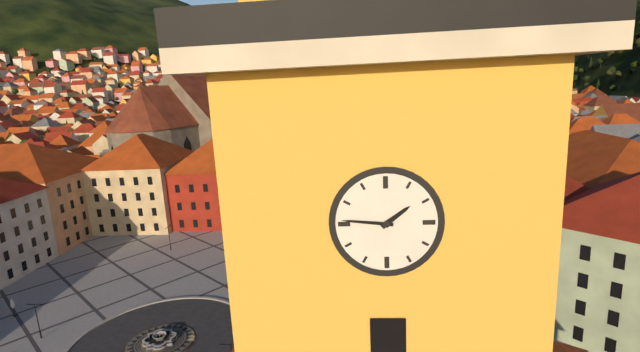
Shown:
1h46
